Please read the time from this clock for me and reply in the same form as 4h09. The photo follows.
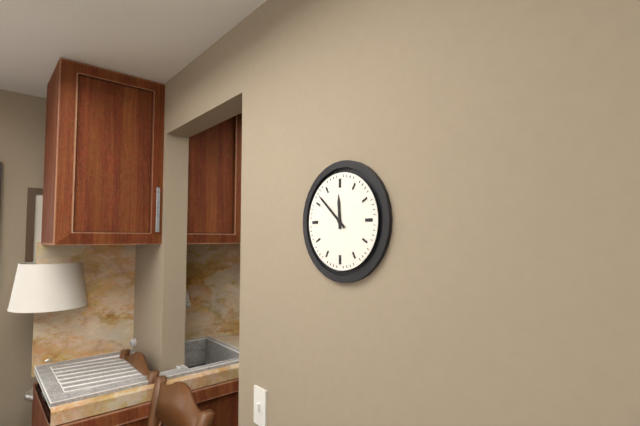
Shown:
11h52
